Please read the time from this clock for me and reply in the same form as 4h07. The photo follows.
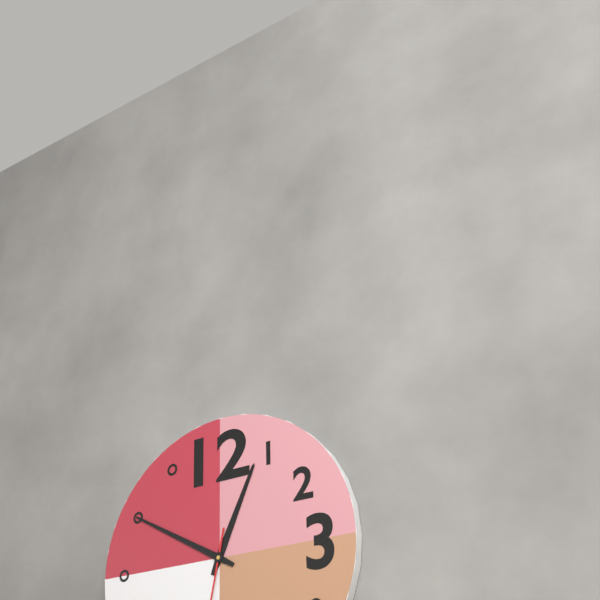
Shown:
12h50
